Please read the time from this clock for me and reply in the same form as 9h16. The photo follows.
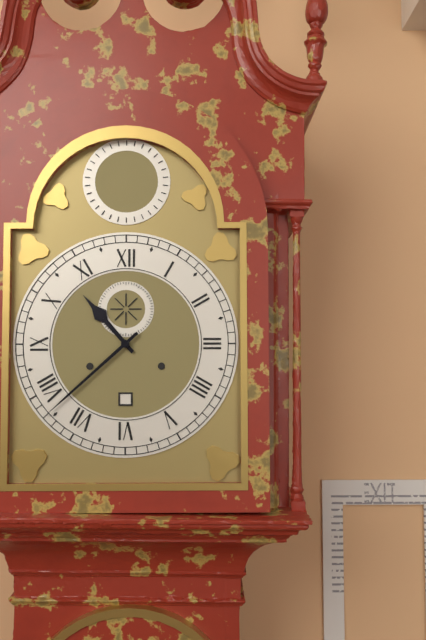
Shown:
10h38
